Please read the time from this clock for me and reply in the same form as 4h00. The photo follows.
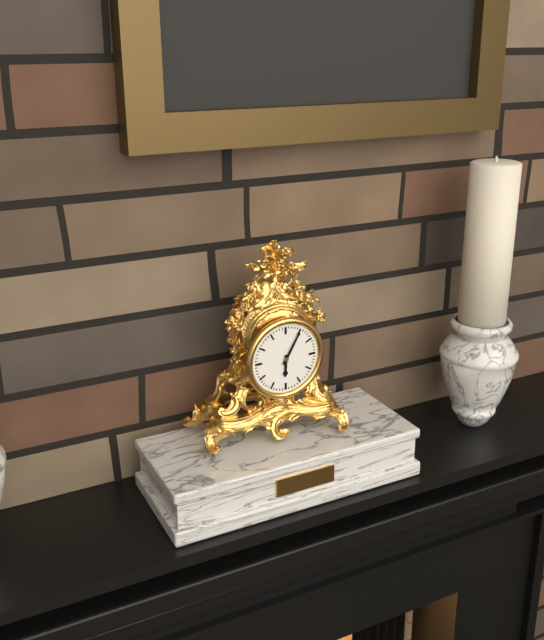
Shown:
6h05
